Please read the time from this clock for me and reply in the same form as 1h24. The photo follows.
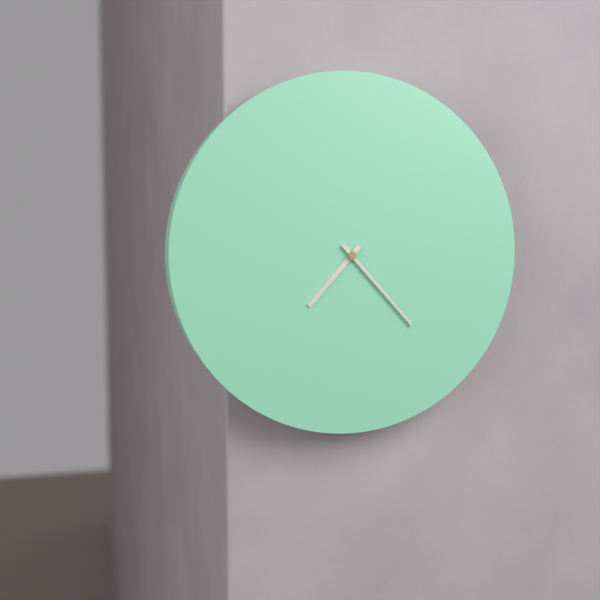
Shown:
7h23
